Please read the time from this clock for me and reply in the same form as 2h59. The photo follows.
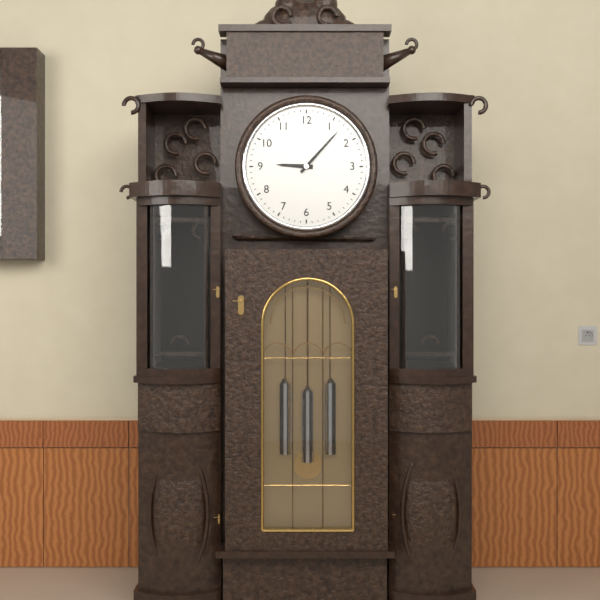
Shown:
9h07
